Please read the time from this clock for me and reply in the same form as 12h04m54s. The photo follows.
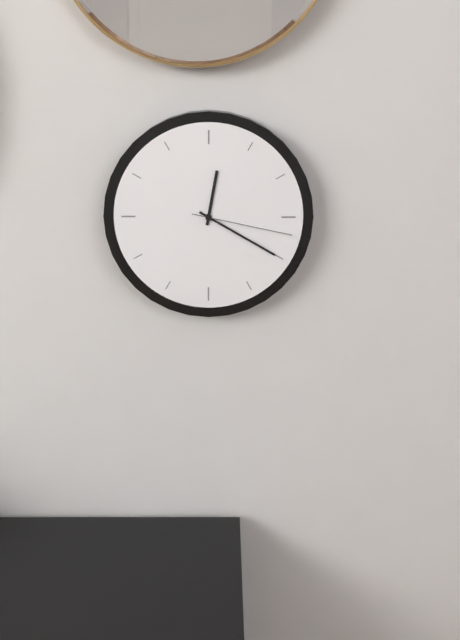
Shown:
12h20m17s
